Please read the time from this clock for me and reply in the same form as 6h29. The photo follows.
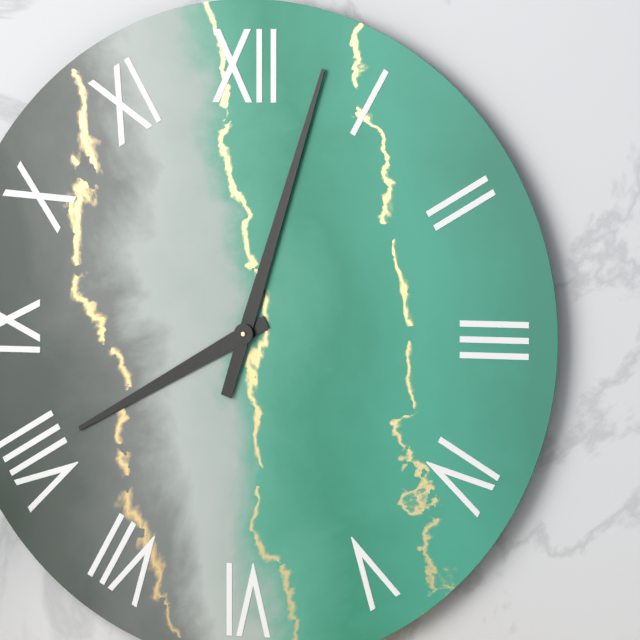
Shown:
8h03
